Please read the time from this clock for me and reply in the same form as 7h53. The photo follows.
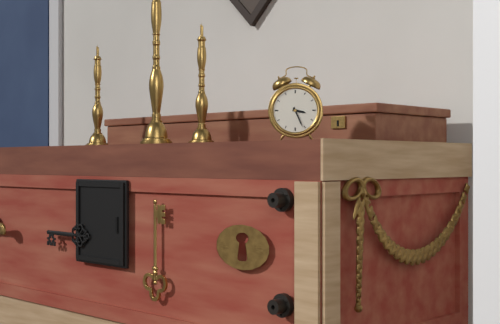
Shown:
3h26
